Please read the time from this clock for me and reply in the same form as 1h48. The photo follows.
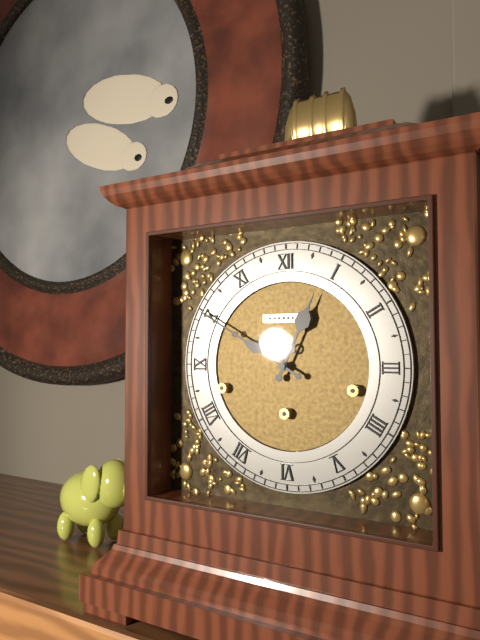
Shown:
12h50
